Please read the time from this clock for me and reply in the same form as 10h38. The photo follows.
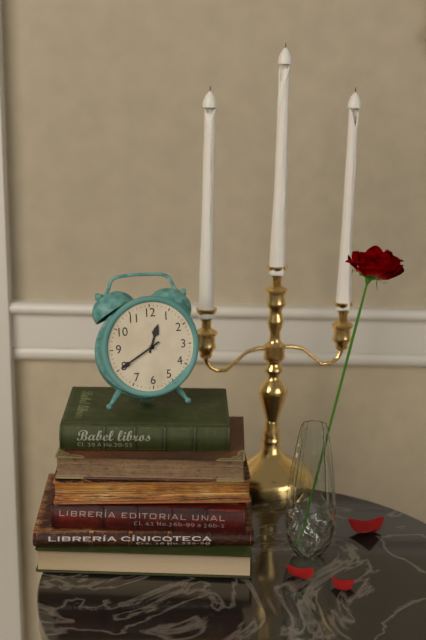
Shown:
12h40
